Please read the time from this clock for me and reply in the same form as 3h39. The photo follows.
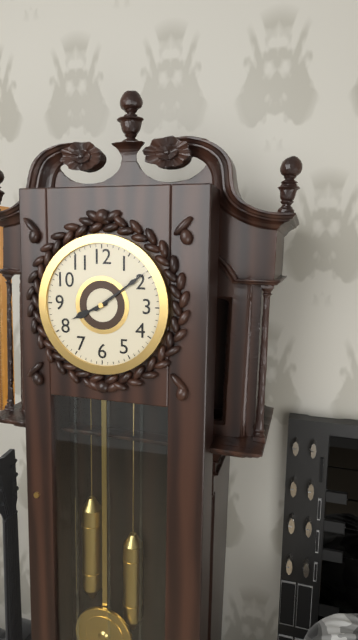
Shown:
8h09
